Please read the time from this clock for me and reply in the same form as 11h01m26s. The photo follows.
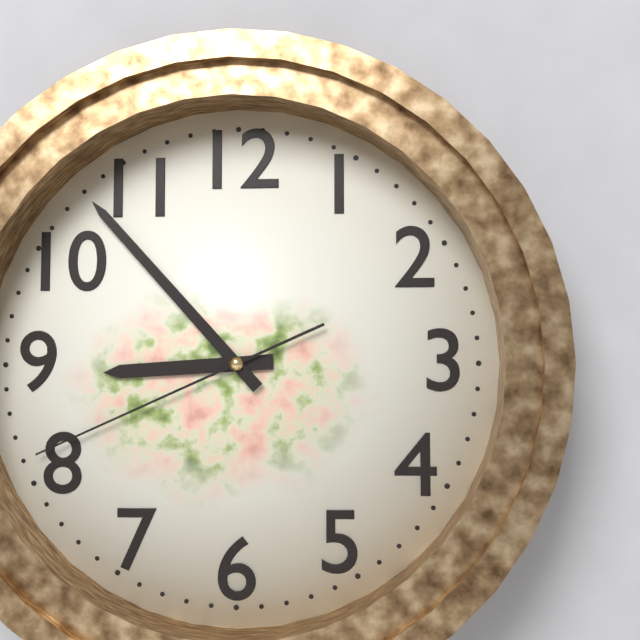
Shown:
8h53m41s
